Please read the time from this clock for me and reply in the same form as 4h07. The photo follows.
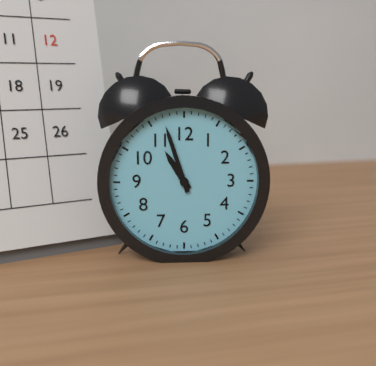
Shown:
10h57
